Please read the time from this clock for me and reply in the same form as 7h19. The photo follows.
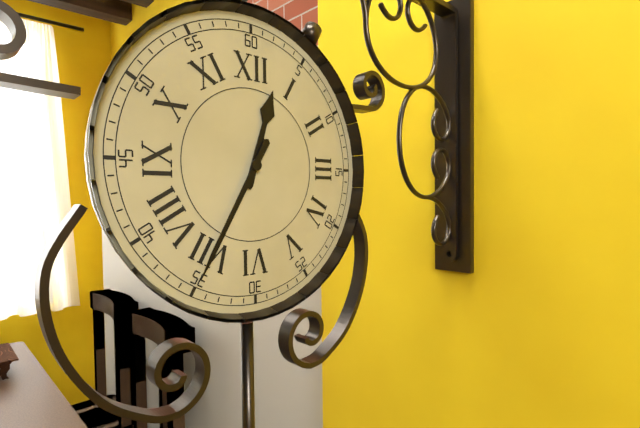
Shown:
12h35
